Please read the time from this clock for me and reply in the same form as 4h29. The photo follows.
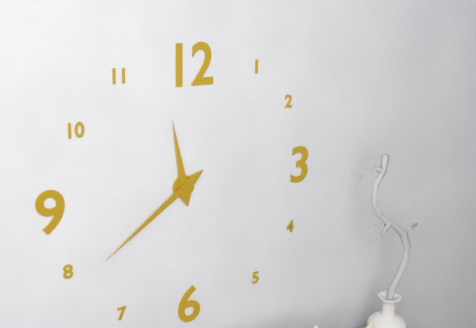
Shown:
11h39
